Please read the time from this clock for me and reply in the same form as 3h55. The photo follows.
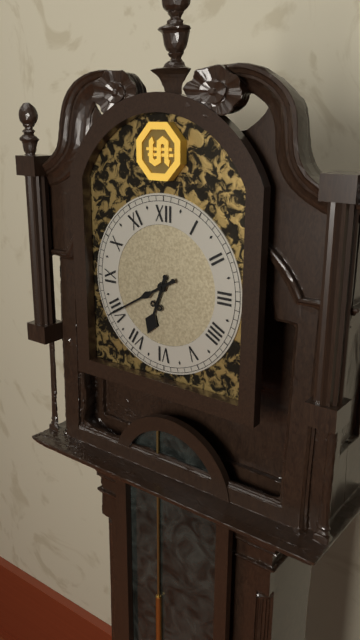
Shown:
6h40
